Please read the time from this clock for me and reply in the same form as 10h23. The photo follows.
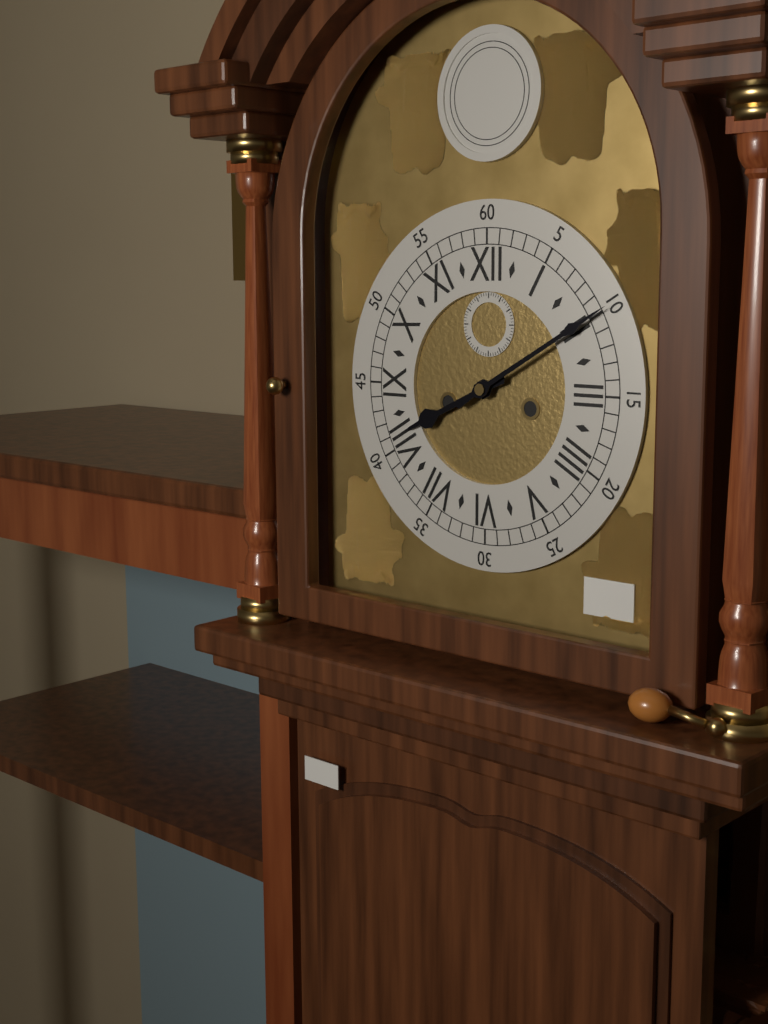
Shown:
8h10
